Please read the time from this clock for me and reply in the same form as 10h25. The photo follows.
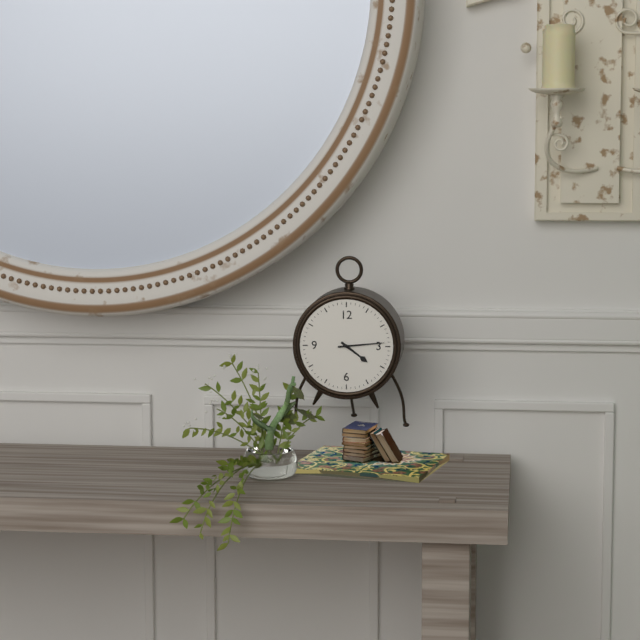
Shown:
4h14
